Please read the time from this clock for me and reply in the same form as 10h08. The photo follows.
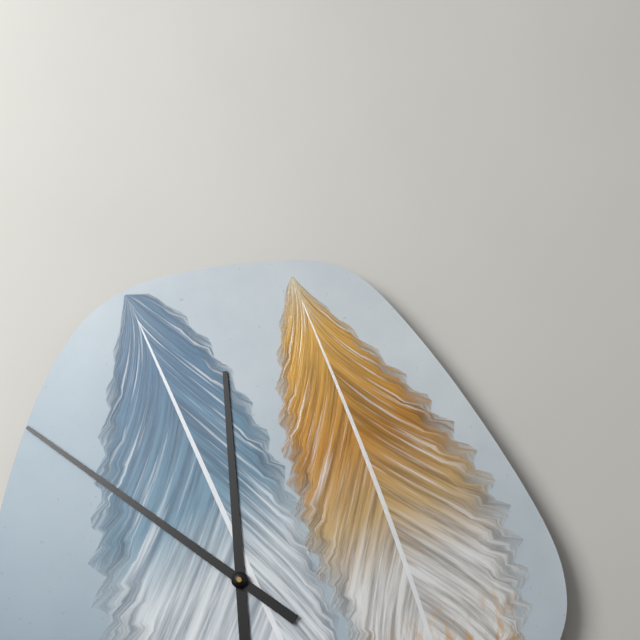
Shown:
11h51
